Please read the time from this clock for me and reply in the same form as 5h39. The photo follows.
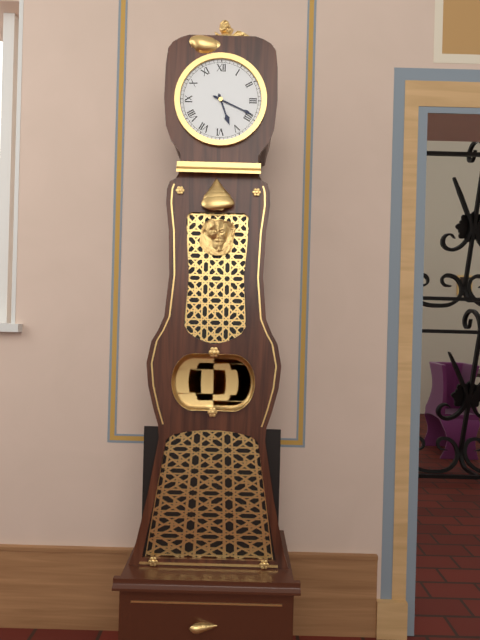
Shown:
5h19
